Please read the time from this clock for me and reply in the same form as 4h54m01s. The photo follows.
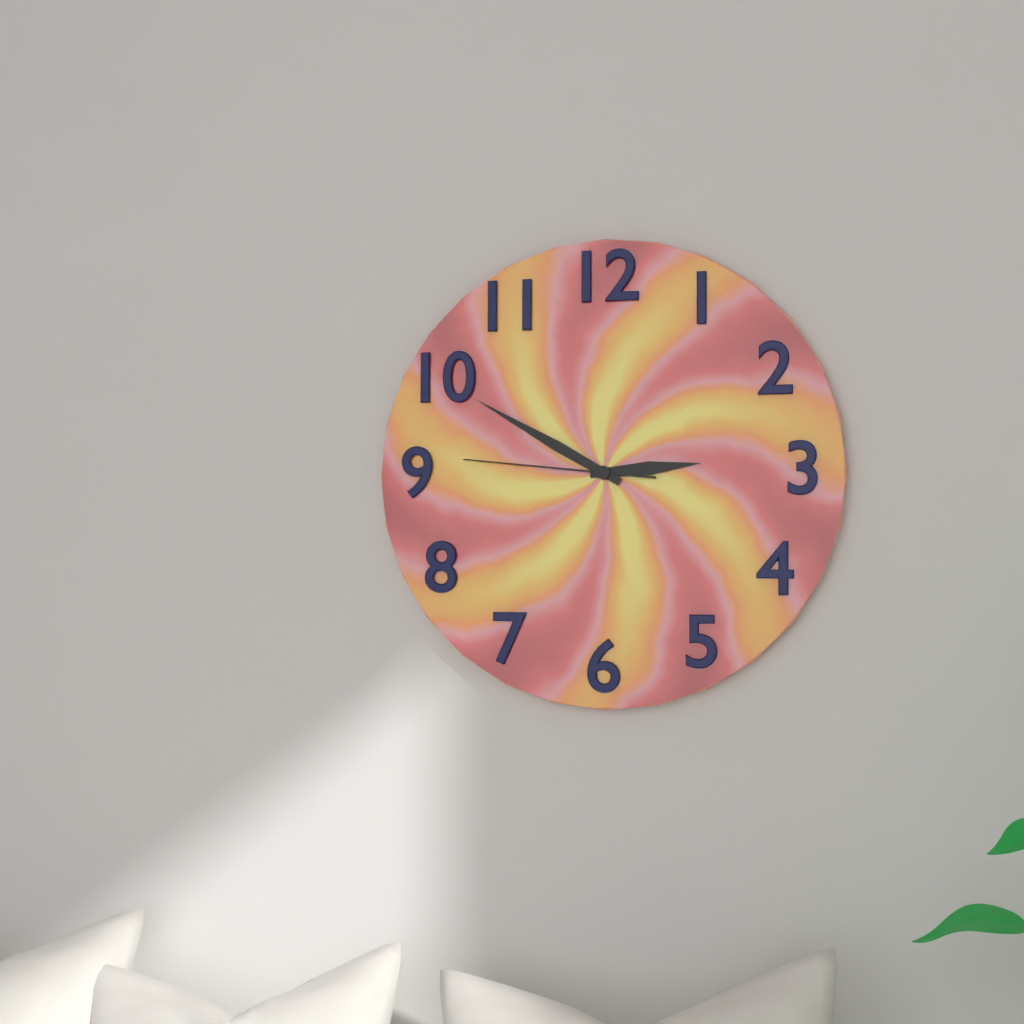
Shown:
2h50m46s
